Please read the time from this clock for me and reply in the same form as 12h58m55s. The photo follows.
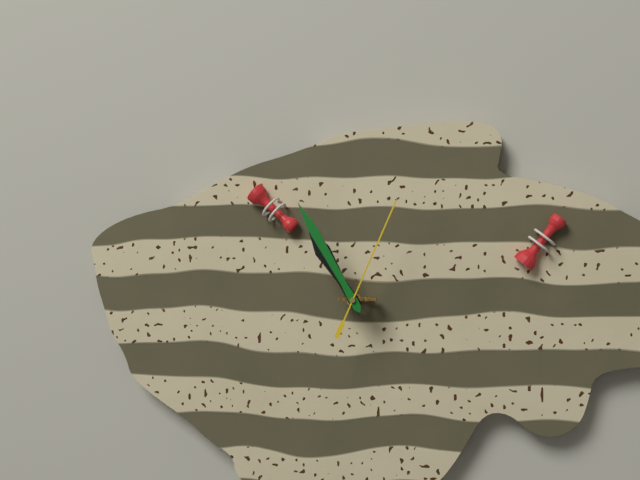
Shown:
10h55m04s
